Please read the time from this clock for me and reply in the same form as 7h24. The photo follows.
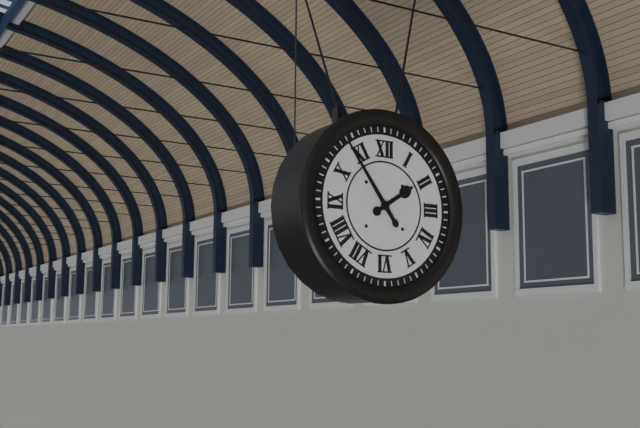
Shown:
1h54
